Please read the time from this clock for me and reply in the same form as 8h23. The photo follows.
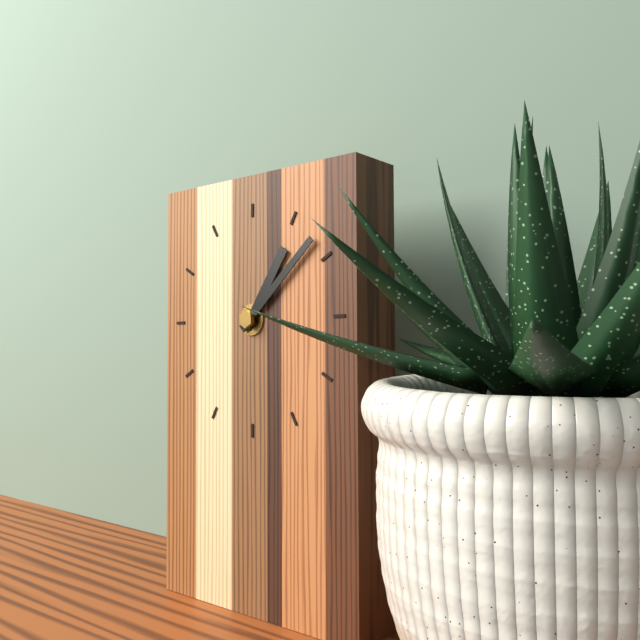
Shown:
1h08
